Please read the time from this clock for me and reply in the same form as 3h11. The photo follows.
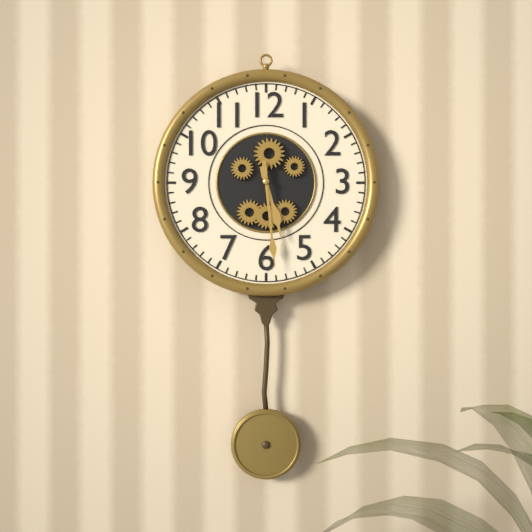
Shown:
5h29
